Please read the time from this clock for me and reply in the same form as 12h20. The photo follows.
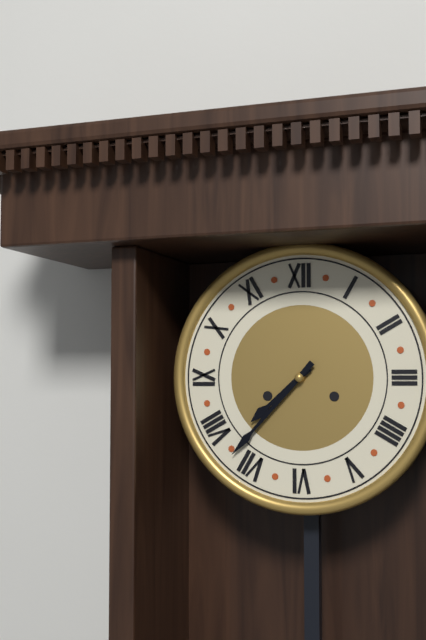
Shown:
7h37
